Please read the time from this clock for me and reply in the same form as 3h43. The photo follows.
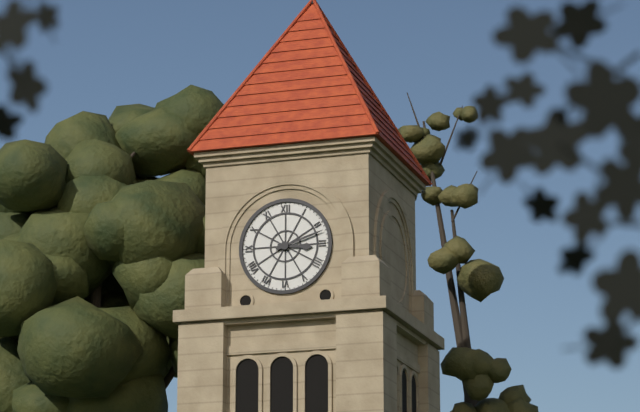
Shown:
3h12
